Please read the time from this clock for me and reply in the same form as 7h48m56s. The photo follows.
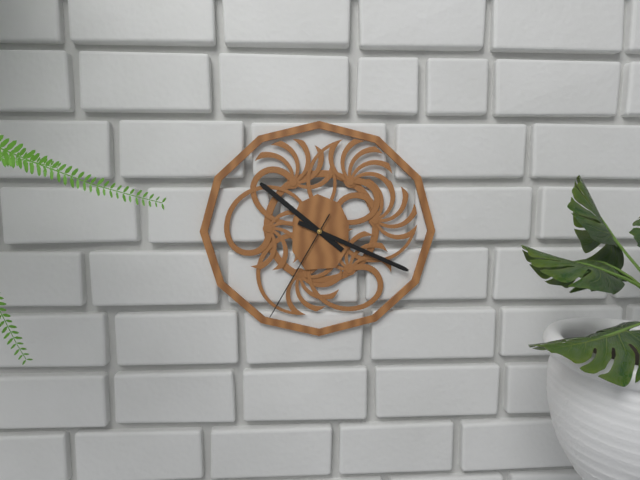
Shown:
10h19m35s
